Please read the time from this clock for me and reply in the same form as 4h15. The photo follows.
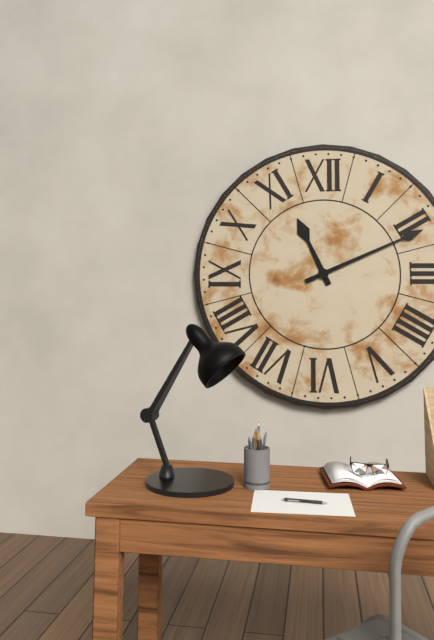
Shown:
11h11
